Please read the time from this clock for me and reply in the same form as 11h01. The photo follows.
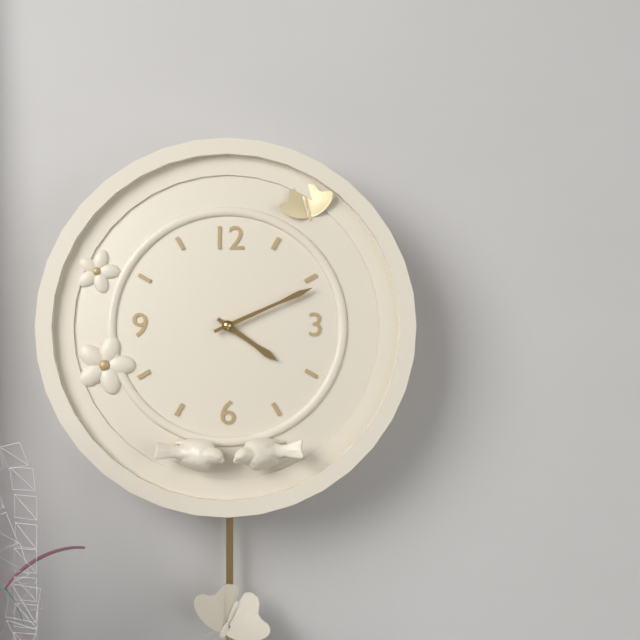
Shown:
4h11
